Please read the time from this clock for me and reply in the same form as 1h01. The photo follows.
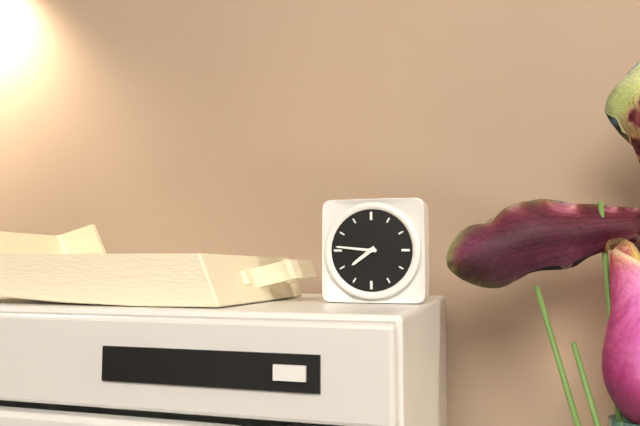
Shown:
7h46
